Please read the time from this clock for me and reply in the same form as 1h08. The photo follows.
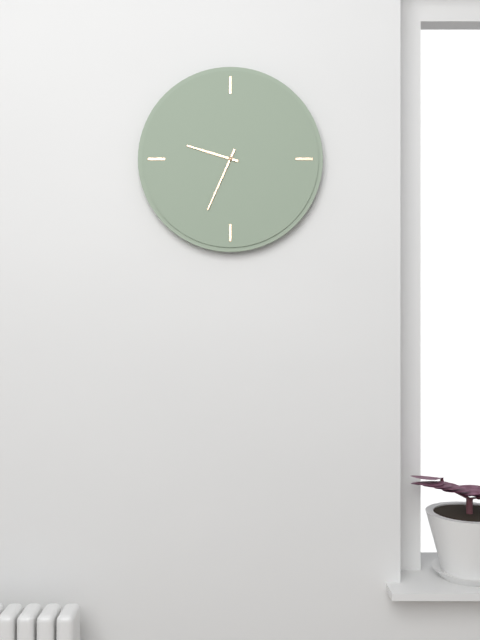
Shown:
9h34
